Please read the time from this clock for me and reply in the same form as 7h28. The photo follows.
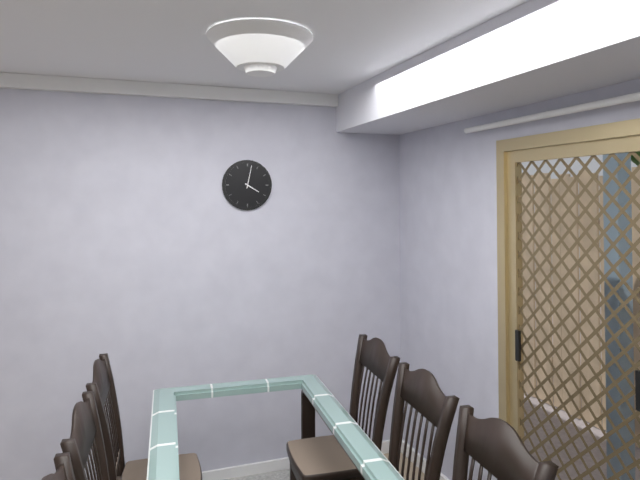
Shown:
4h02
